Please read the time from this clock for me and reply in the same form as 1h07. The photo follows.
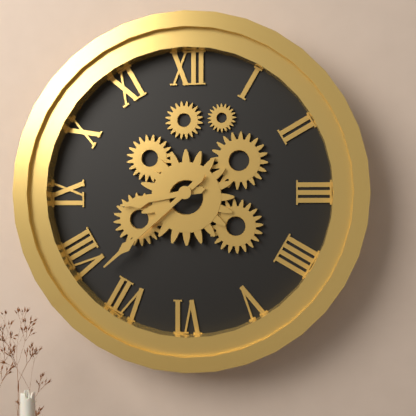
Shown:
8h38
